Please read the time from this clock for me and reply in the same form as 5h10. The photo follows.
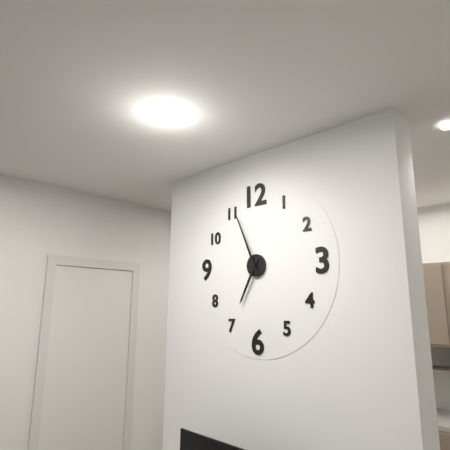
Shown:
6h56
